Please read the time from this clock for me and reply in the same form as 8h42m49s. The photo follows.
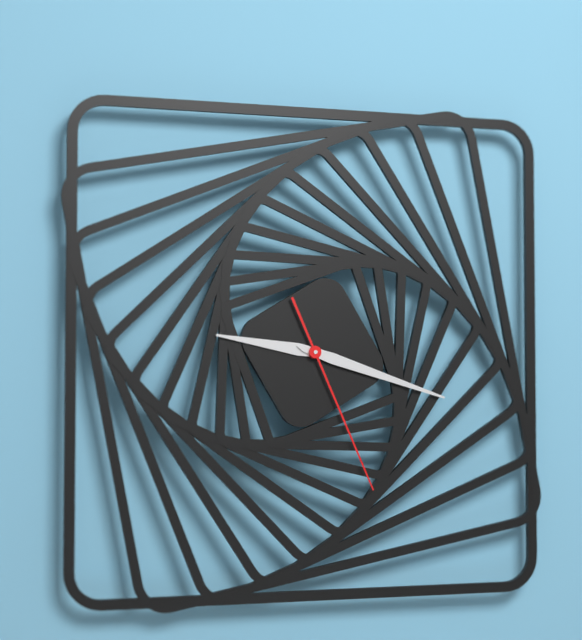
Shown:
9h18m26s
